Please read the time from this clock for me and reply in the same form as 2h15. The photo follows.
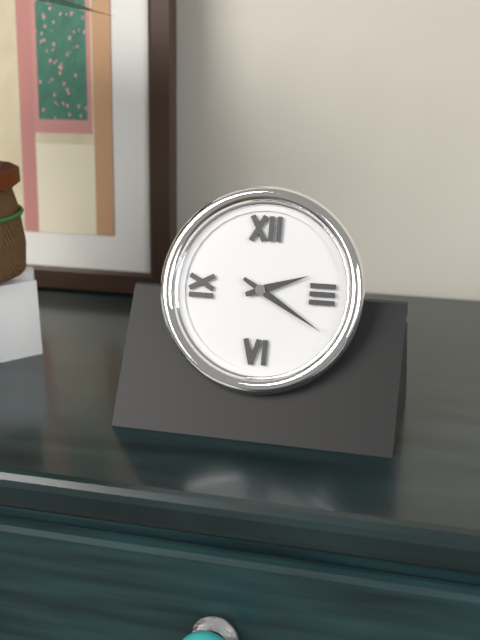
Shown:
2h20
